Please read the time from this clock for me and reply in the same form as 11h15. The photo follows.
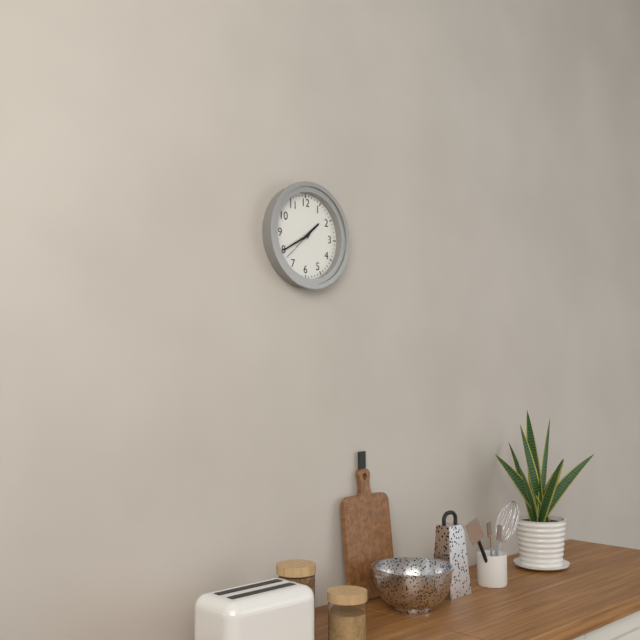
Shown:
1h40
